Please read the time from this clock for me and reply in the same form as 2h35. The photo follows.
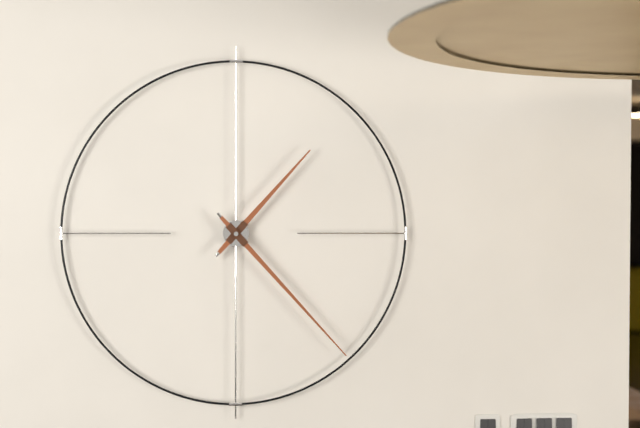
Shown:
1h23
